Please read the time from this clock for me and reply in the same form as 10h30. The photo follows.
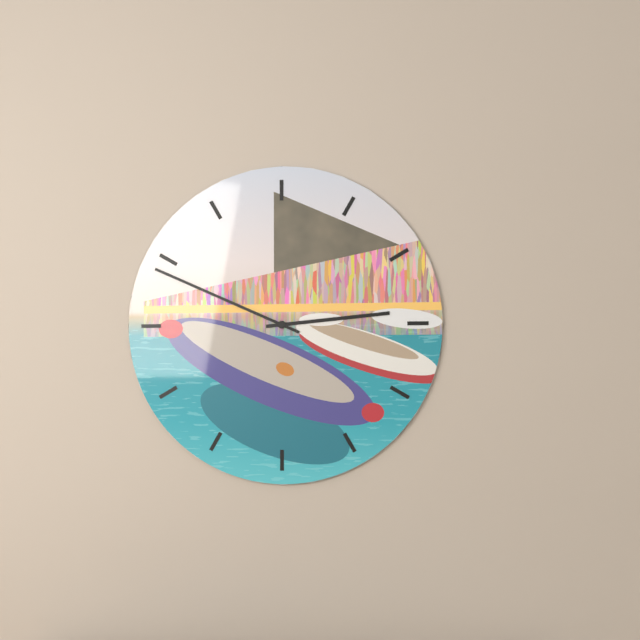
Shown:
2h49
